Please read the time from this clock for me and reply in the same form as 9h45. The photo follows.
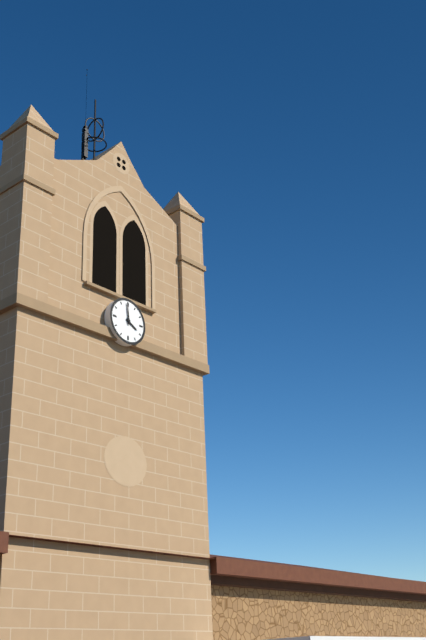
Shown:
3h59
